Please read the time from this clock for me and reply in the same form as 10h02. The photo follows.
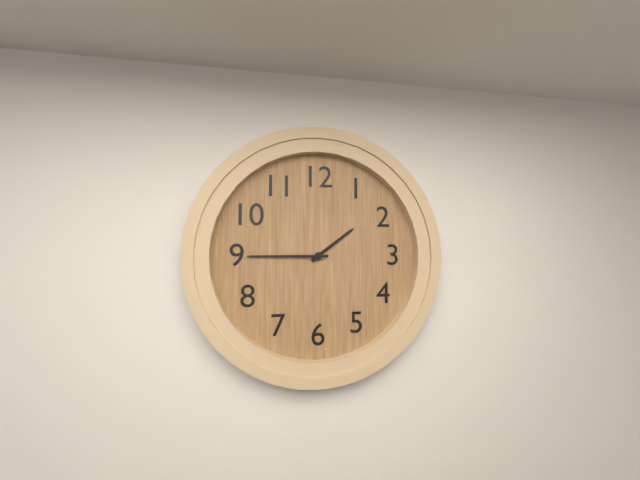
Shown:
1h45
